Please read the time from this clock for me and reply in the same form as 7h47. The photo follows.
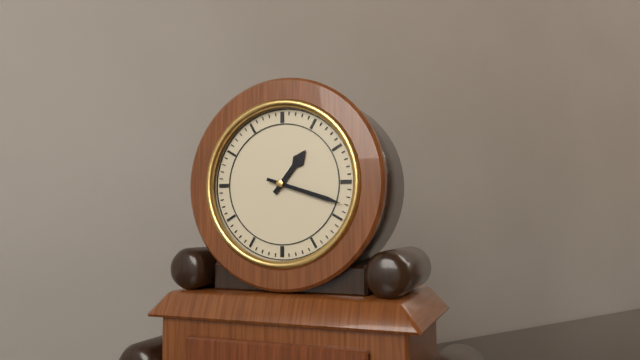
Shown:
1h18
